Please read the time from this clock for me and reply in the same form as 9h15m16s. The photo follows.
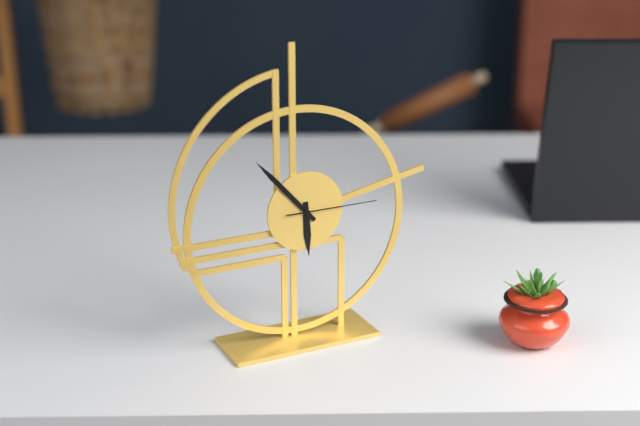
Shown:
5h53m15s
